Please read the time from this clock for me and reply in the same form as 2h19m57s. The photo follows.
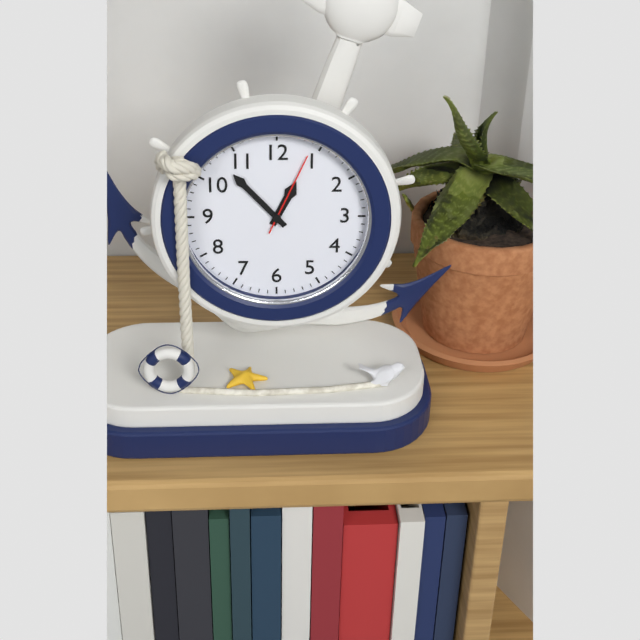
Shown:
12h53m04s
